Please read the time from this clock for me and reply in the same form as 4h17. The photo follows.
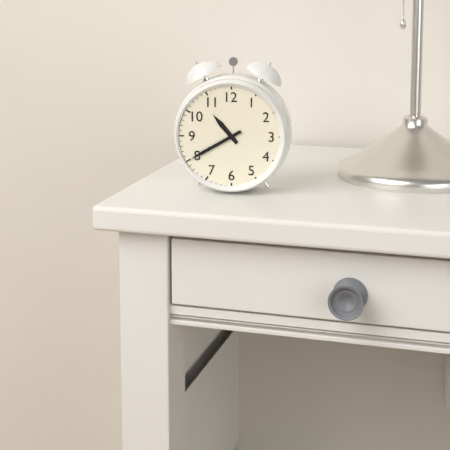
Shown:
10h40
